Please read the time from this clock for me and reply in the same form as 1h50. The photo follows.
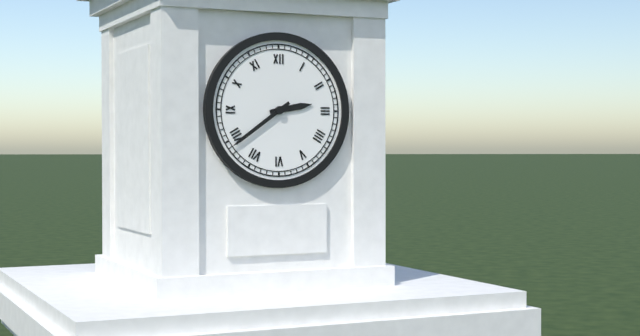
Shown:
2h39
